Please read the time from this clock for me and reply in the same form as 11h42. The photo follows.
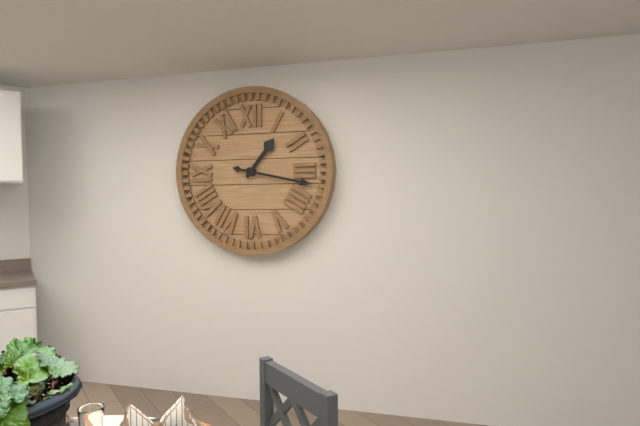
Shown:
1h17
